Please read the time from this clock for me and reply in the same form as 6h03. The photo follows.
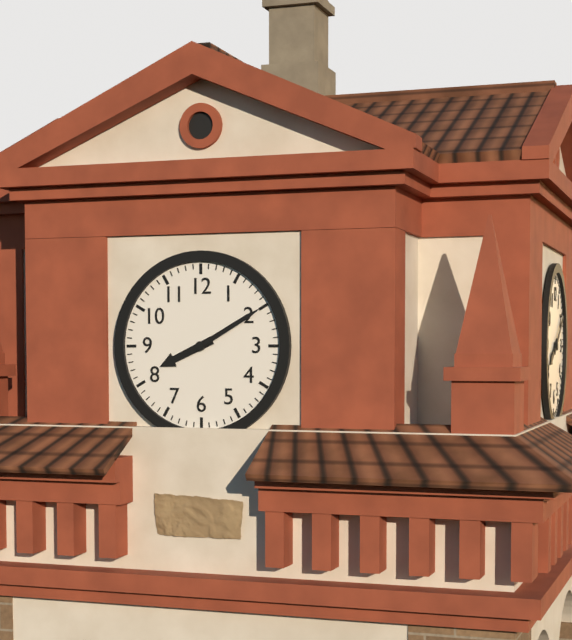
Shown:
8h10
